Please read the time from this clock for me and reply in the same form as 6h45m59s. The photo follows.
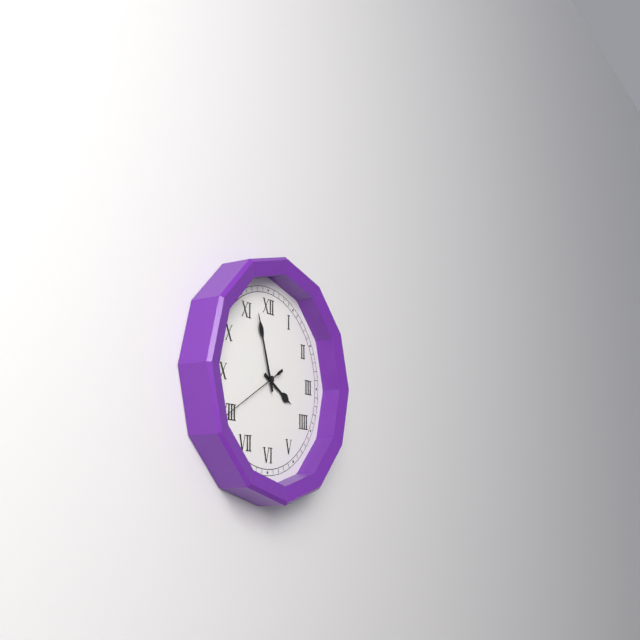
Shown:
3h57m40s
